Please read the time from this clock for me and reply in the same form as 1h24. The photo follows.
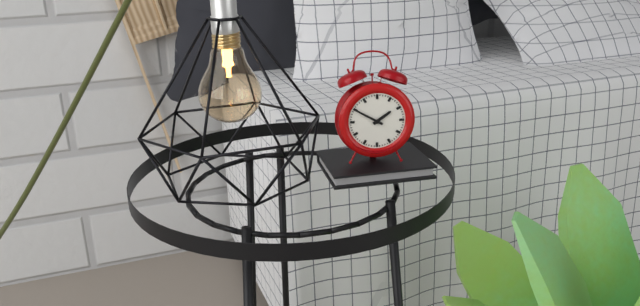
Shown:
1h50
